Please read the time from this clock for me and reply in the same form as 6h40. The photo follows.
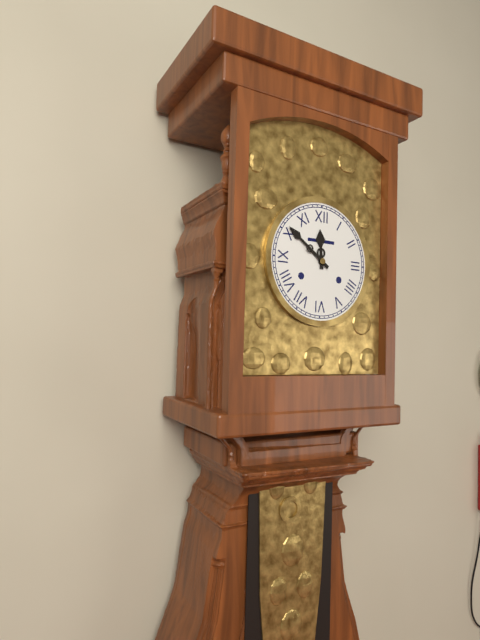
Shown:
11h51
